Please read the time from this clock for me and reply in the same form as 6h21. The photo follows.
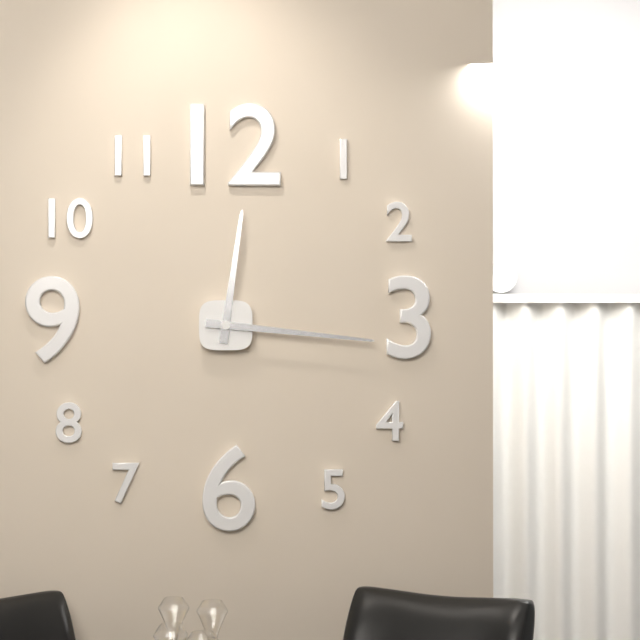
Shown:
12h16
